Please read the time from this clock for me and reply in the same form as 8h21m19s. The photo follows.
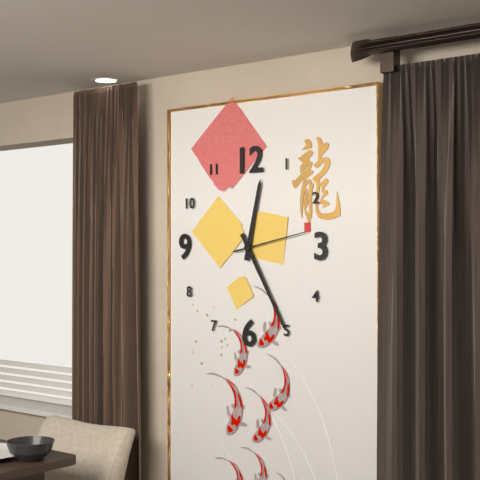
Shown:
12h25m13s
